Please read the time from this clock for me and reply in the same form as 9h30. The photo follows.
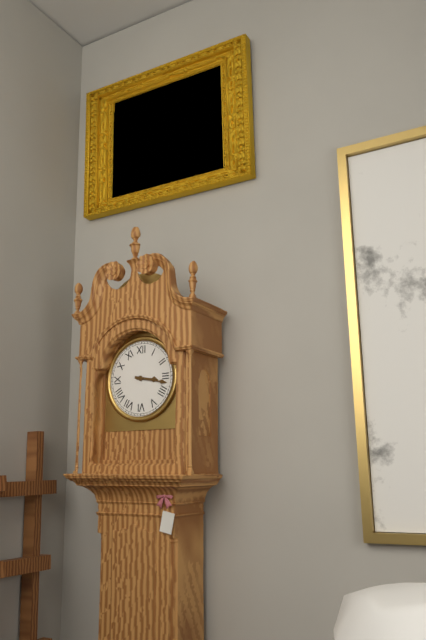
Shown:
3h17
